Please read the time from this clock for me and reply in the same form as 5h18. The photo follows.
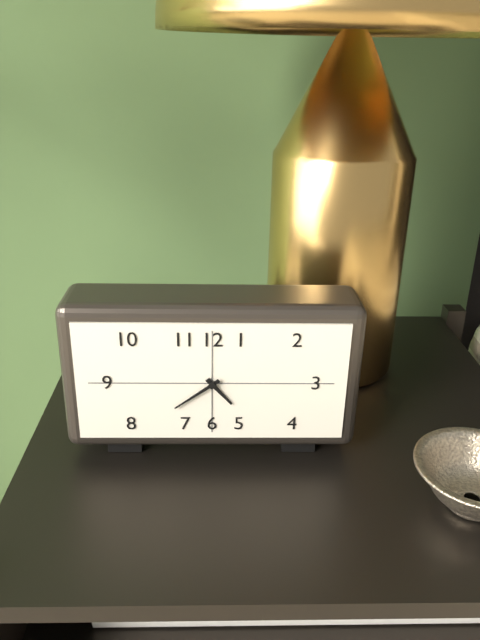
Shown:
4h39
